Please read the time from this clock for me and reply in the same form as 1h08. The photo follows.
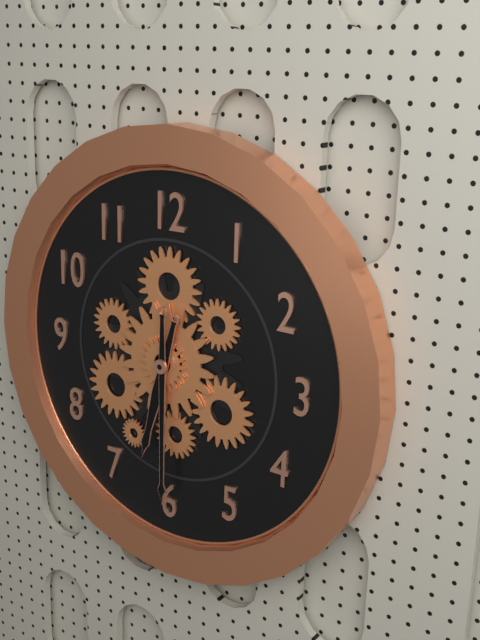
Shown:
6h30
